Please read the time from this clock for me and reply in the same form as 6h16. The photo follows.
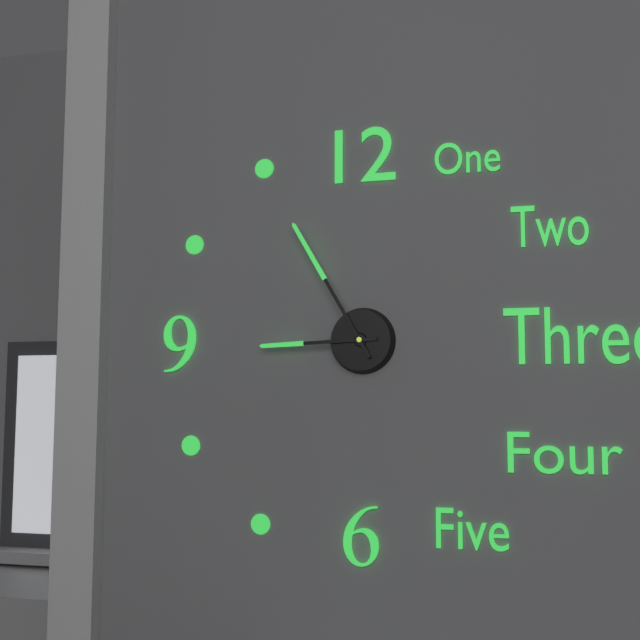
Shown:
8h55
